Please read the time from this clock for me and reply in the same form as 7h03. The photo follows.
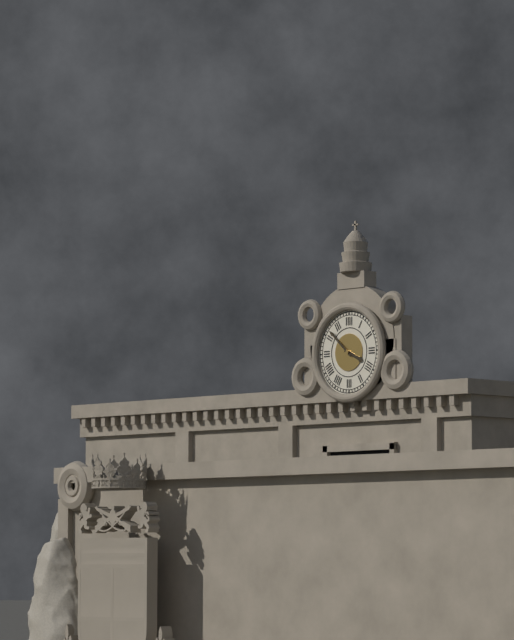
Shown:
3h52
